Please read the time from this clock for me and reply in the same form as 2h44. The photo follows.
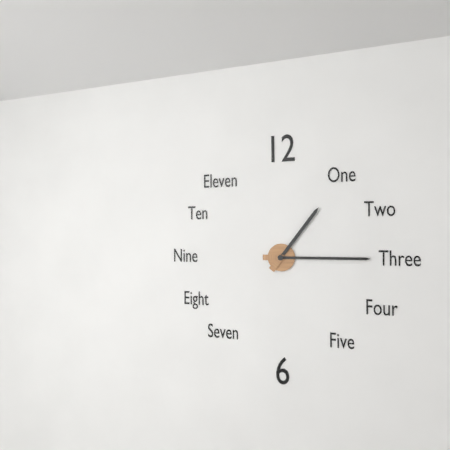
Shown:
1h15
